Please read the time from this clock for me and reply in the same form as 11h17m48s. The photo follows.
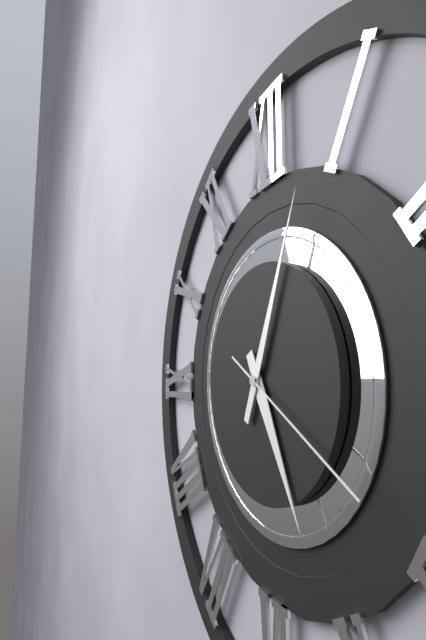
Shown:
5h04m20s
